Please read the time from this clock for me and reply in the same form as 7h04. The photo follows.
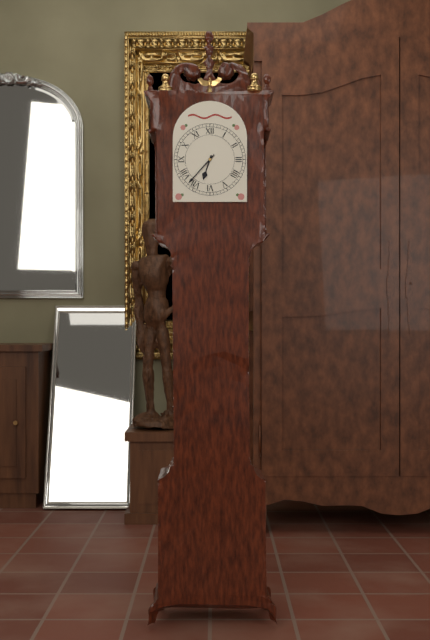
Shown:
6h37
